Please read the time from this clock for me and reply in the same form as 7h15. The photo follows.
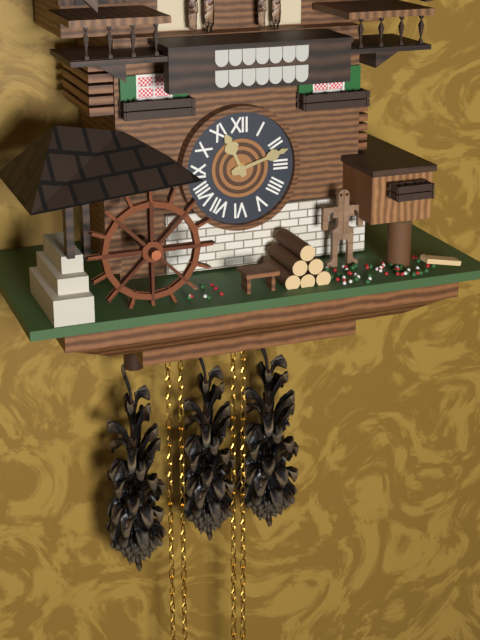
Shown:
11h12
